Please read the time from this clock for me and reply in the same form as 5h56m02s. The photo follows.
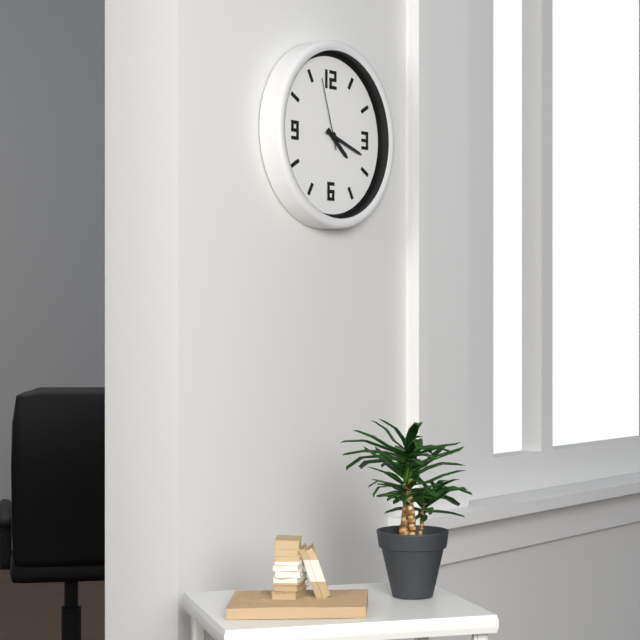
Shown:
4h18m57s
